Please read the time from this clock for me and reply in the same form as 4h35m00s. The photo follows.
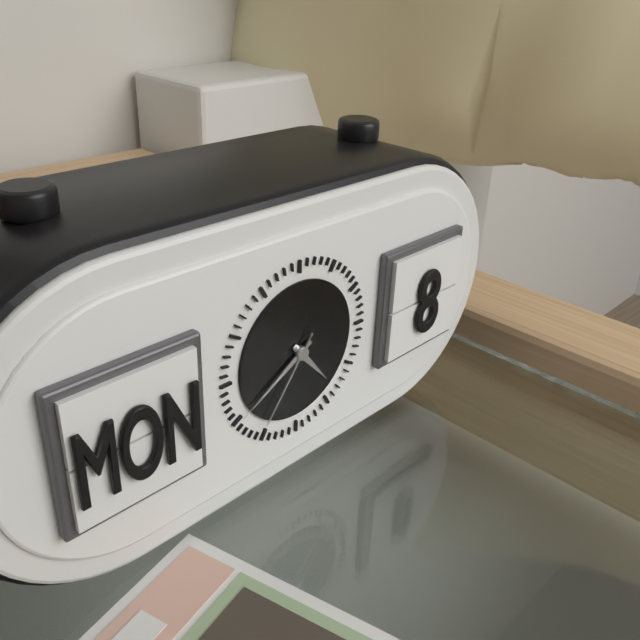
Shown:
4h40m36s
